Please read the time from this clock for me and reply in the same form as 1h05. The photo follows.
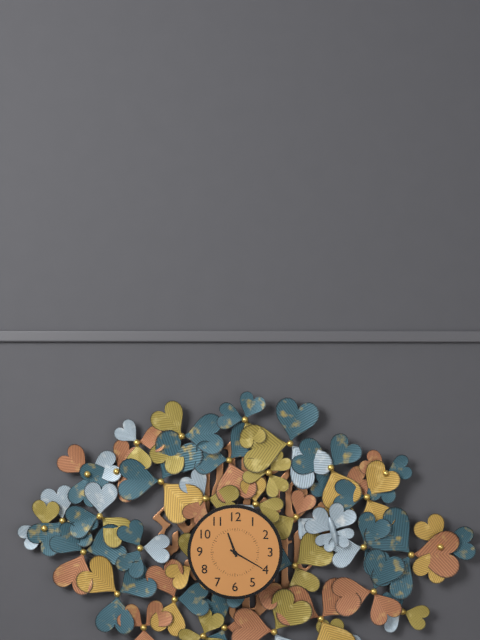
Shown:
11h20
